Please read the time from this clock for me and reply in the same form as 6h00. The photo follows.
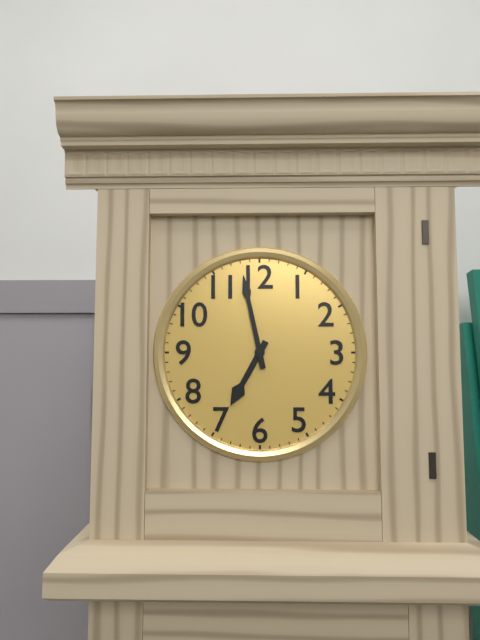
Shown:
6h58
